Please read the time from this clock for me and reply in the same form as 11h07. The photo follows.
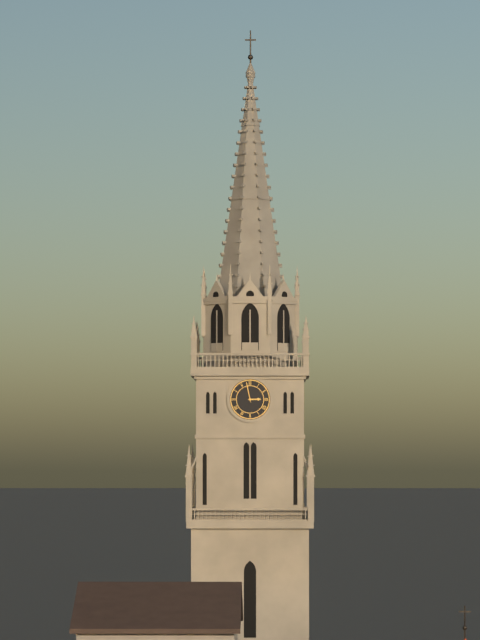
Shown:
2h58
